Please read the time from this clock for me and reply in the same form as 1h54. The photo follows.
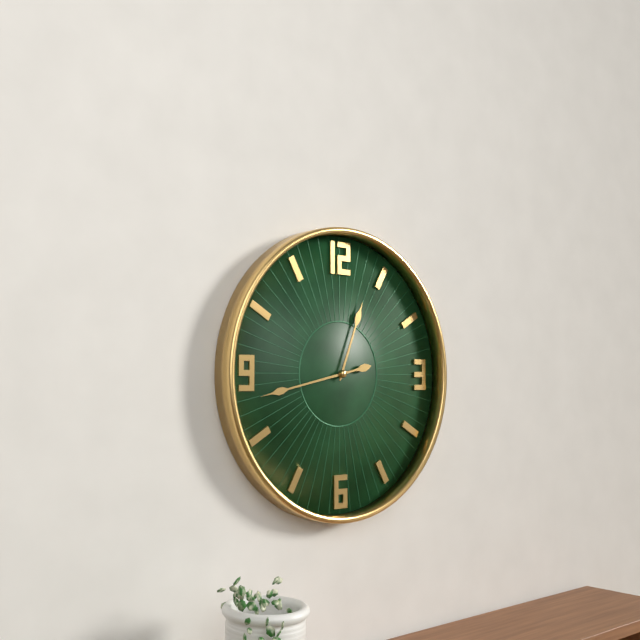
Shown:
12h43
